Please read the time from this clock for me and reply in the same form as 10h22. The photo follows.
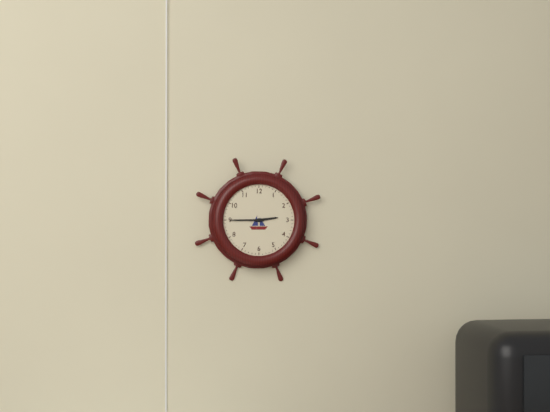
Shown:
2h45
